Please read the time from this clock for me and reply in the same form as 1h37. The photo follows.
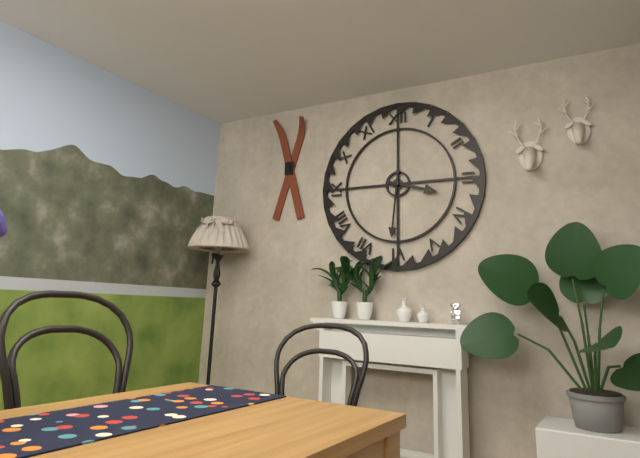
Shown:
3h31
